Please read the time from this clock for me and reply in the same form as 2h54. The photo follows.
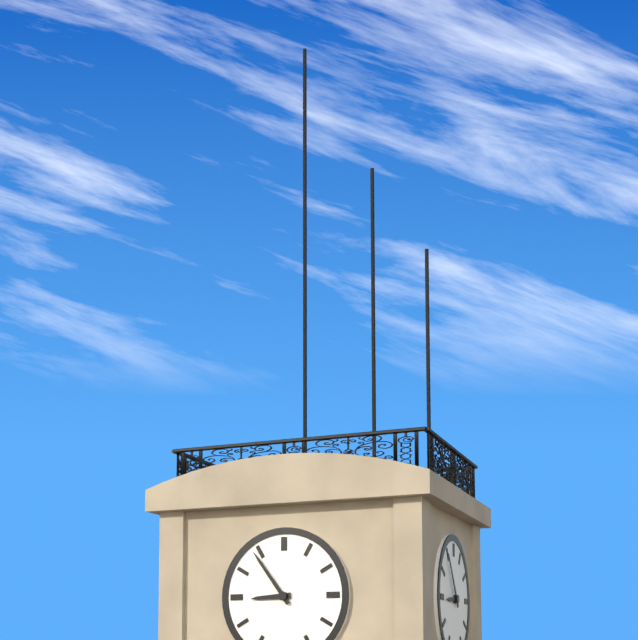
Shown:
8h54
